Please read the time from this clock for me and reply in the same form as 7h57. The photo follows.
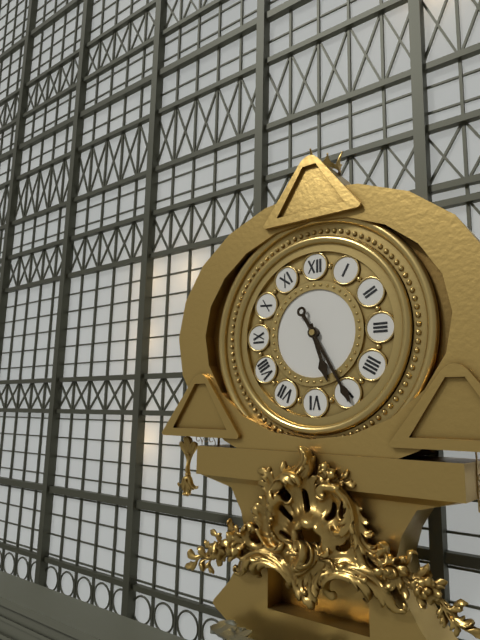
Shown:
5h25
